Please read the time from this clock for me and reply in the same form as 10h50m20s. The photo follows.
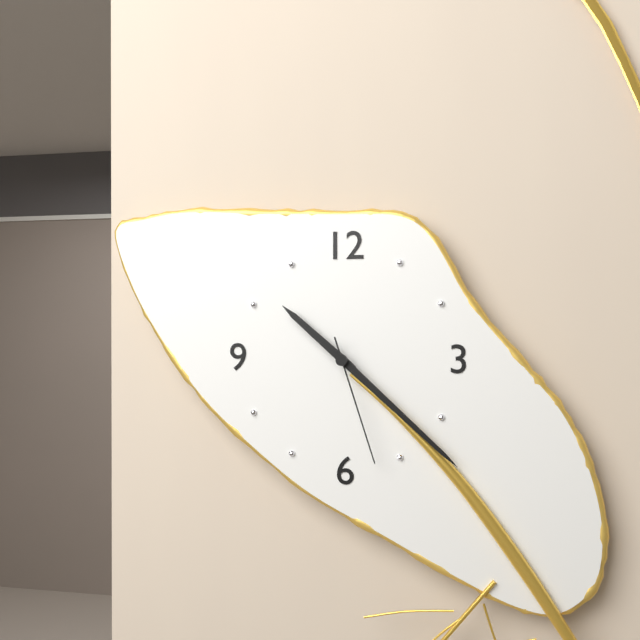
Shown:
10h22m27s
